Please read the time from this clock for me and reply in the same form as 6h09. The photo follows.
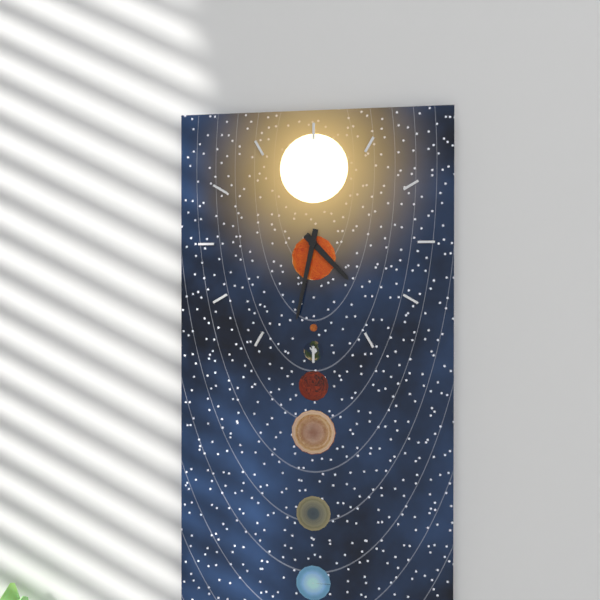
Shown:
4h32
